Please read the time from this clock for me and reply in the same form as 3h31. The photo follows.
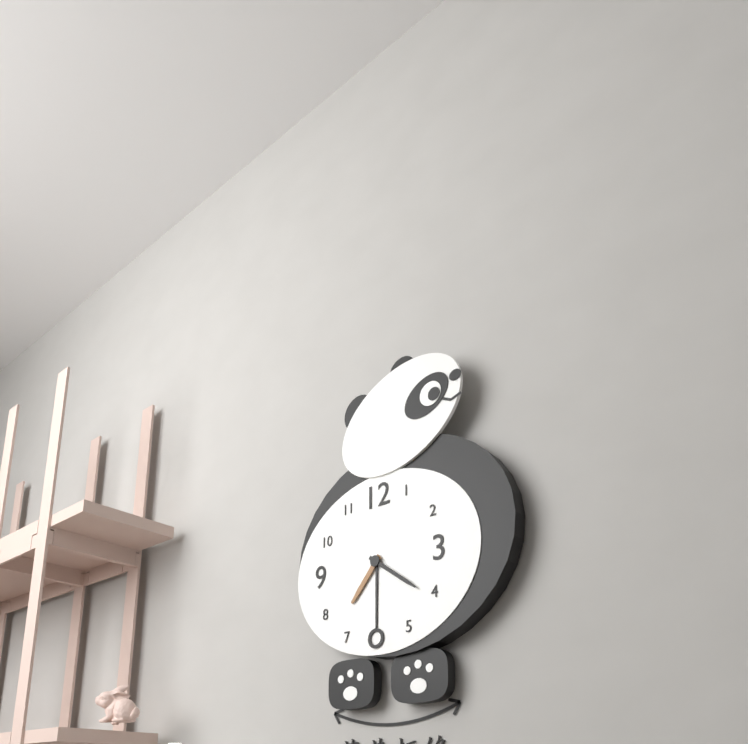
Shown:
7h21
